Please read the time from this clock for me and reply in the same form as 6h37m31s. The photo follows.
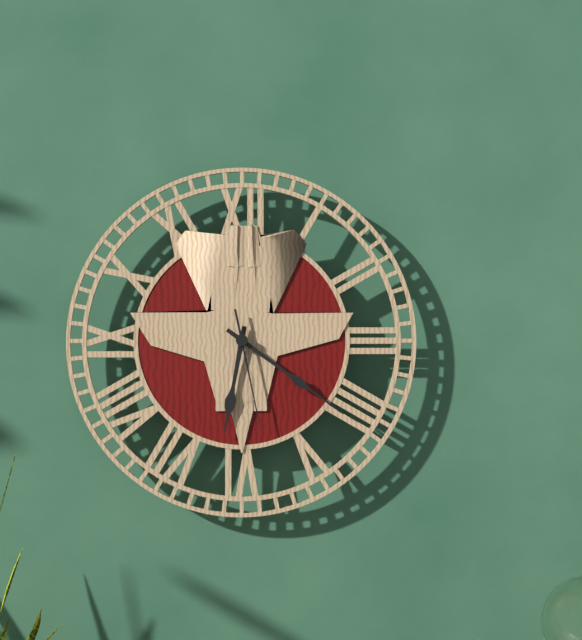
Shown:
6h21m28s
